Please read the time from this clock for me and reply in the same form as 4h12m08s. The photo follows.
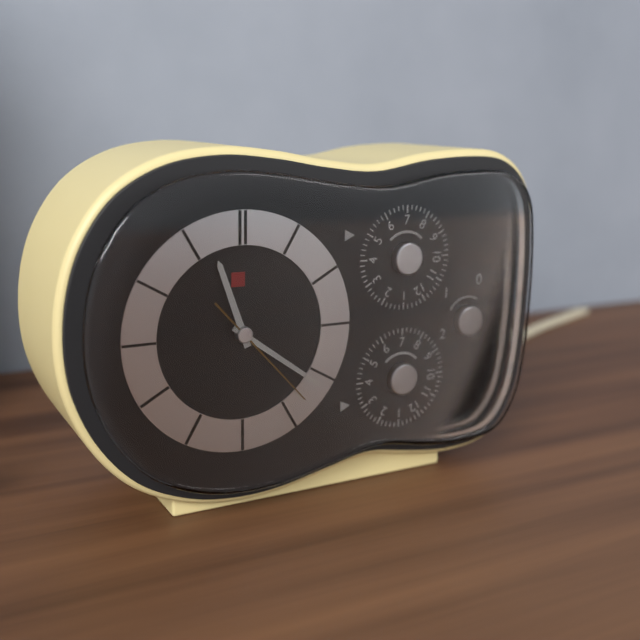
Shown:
11h21m23s
